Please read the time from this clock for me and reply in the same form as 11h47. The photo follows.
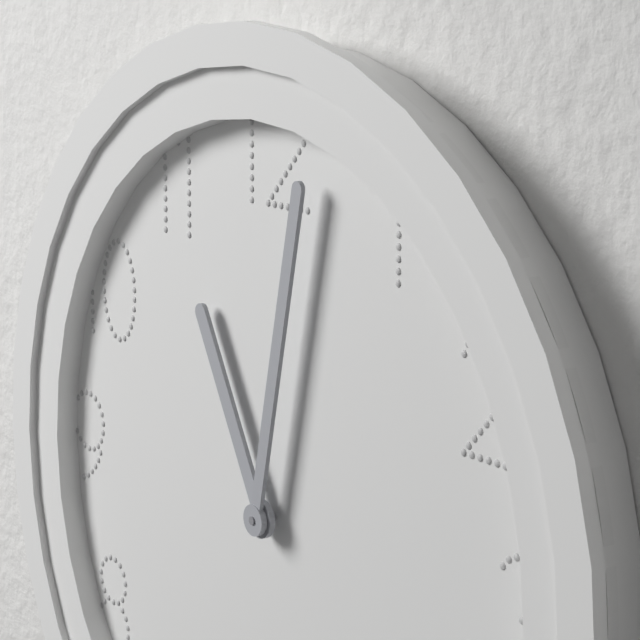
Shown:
11h02
